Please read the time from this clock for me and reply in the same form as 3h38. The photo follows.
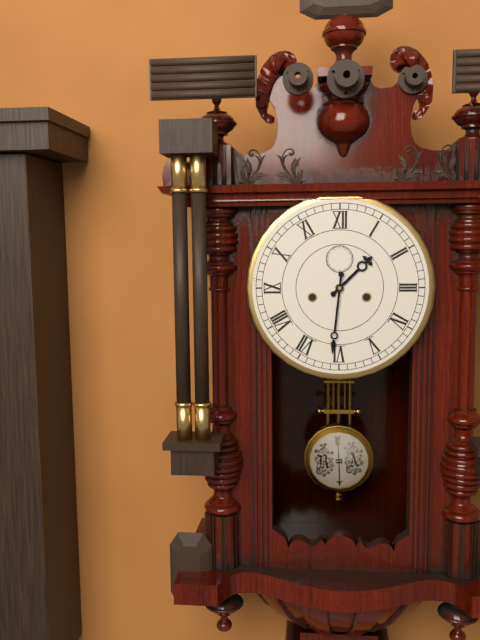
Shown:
1h31
